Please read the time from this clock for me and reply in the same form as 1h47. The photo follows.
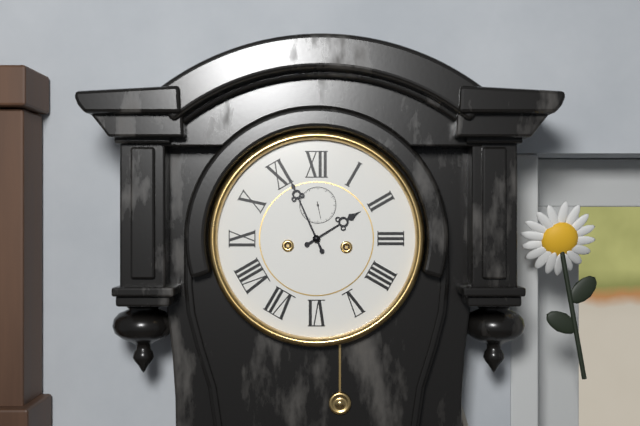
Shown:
1h56
